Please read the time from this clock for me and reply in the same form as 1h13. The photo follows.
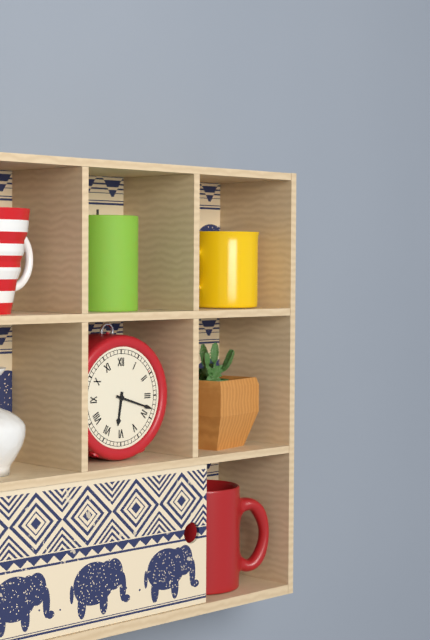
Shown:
6h18
